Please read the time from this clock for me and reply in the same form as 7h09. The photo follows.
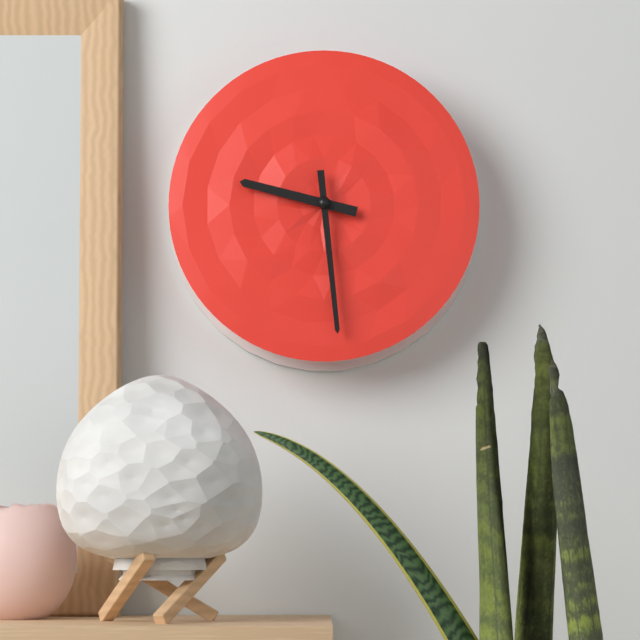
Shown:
9h29
